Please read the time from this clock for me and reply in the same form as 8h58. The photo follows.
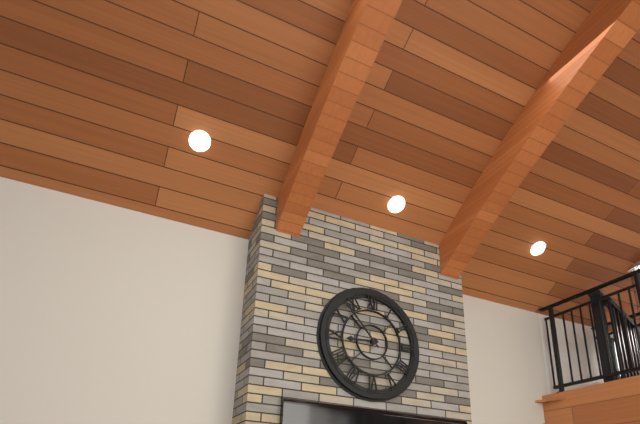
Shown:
8h53
